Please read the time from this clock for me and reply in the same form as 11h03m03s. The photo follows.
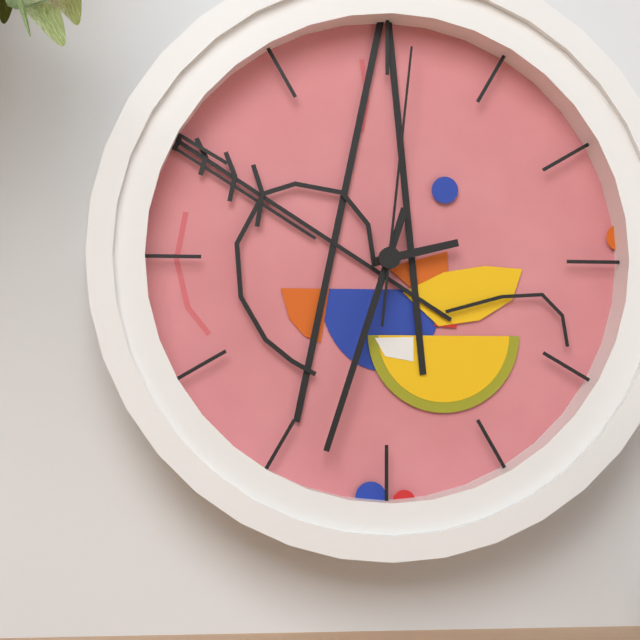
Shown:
2h33m01s
